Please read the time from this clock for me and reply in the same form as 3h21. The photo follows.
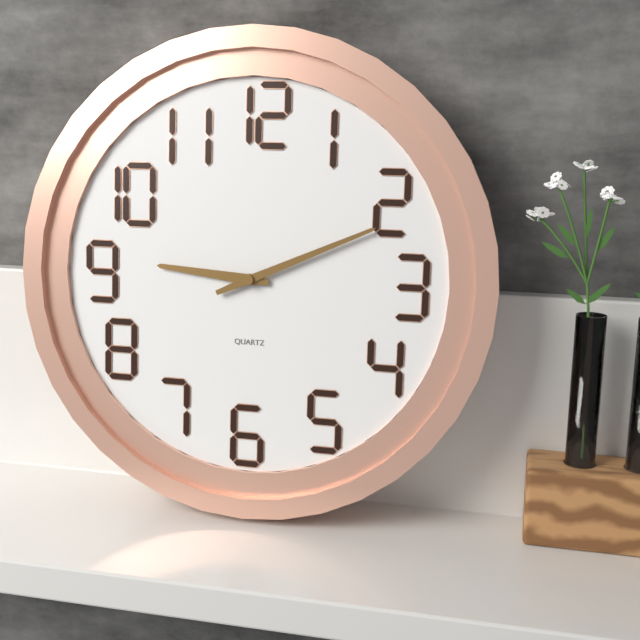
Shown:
9h11
